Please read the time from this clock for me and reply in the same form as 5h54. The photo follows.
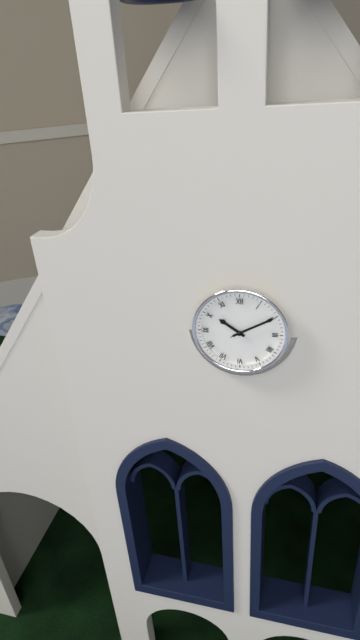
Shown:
10h10
